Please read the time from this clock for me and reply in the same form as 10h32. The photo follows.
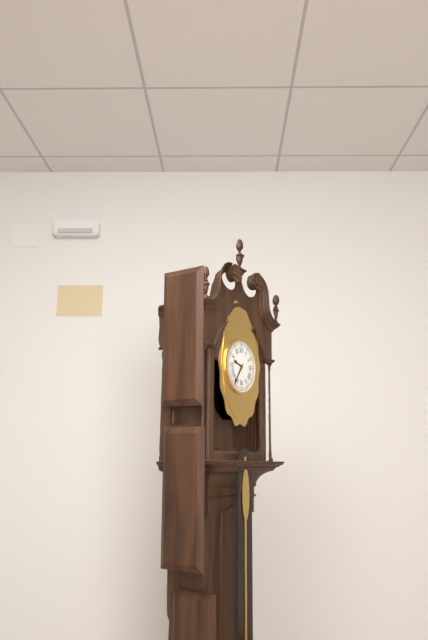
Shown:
9h36
